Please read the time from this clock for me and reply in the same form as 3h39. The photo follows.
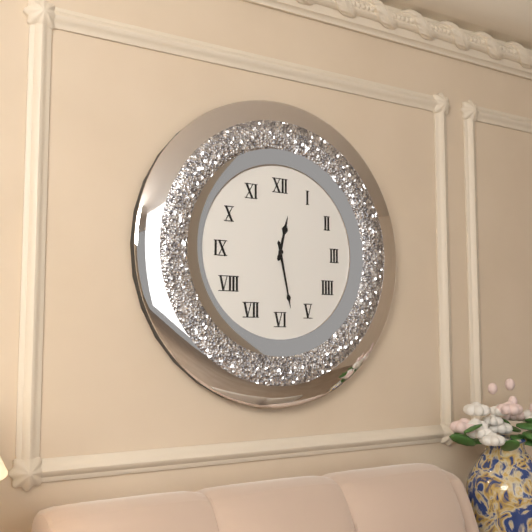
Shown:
12h28
